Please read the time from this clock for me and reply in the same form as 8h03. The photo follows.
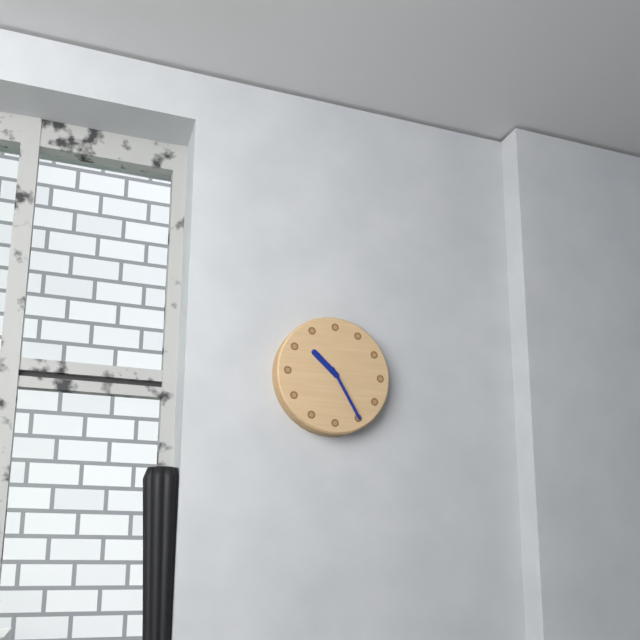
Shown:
10h25
